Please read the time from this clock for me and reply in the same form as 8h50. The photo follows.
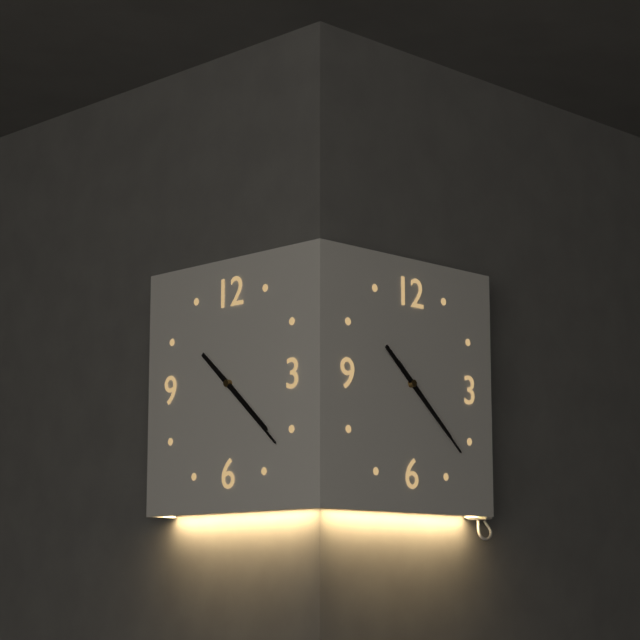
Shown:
4h22
